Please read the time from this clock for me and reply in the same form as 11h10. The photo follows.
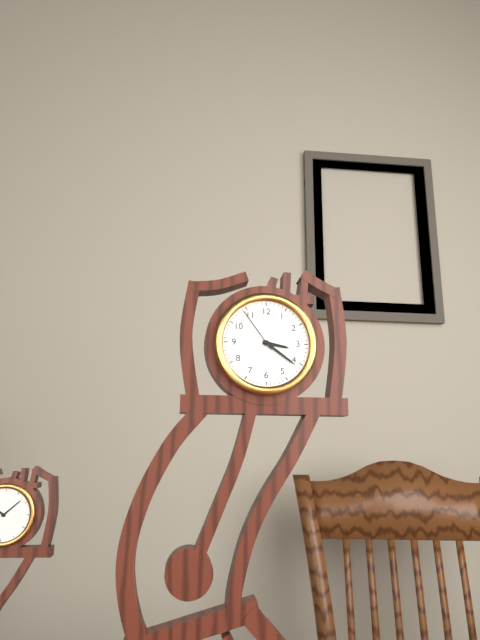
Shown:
3h21
